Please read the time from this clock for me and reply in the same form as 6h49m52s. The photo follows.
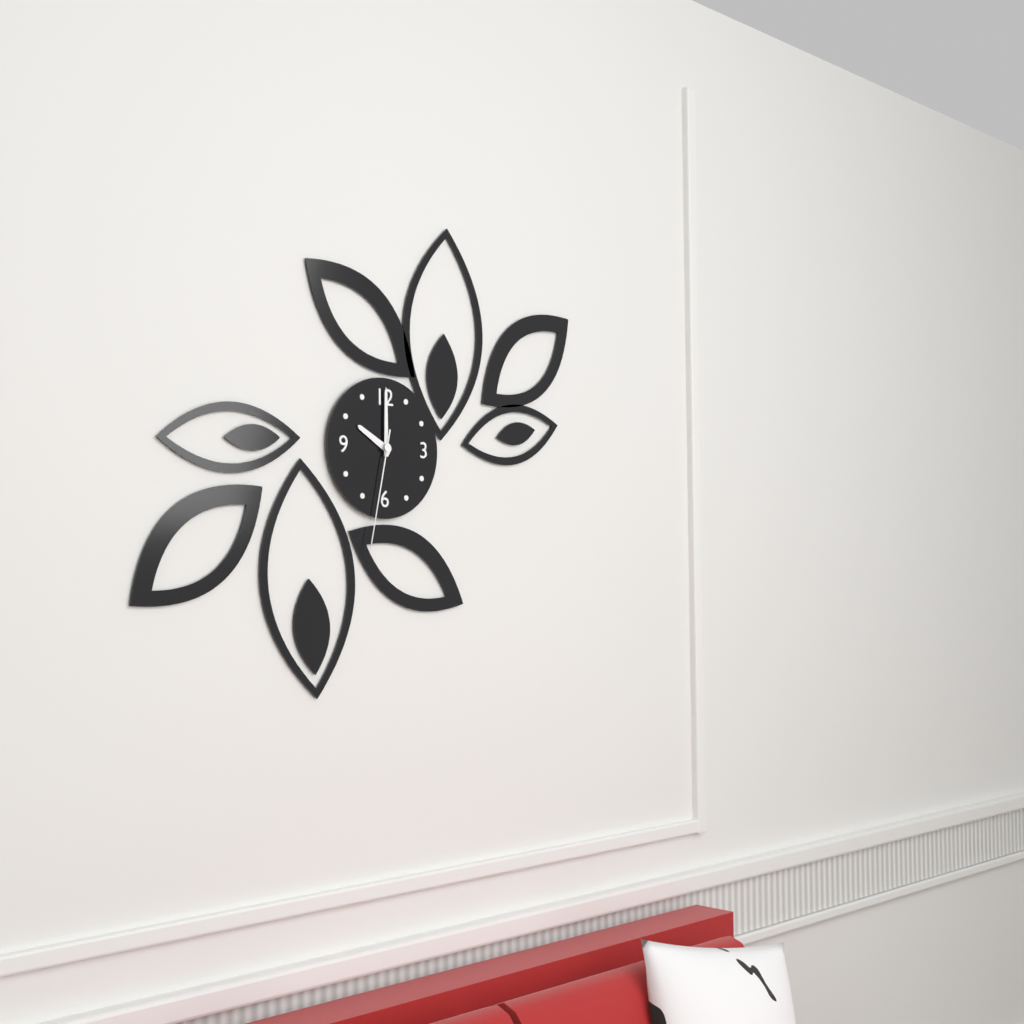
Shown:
10h00m32s
